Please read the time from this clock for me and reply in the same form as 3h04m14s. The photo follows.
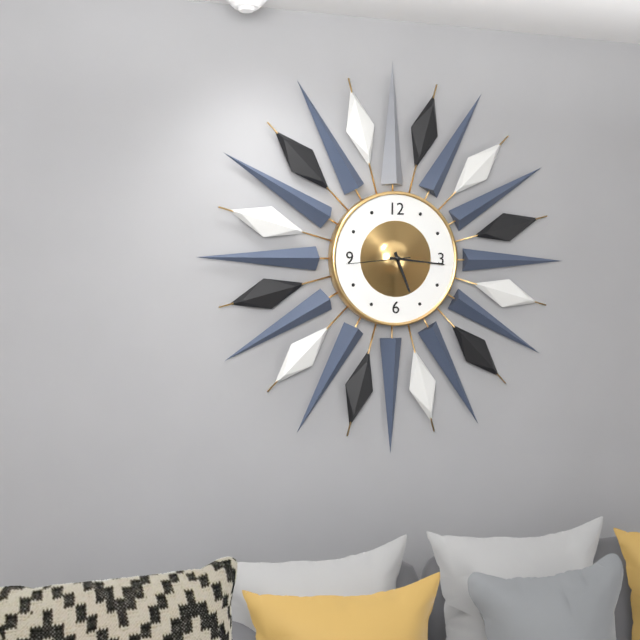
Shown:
5h16m44s
